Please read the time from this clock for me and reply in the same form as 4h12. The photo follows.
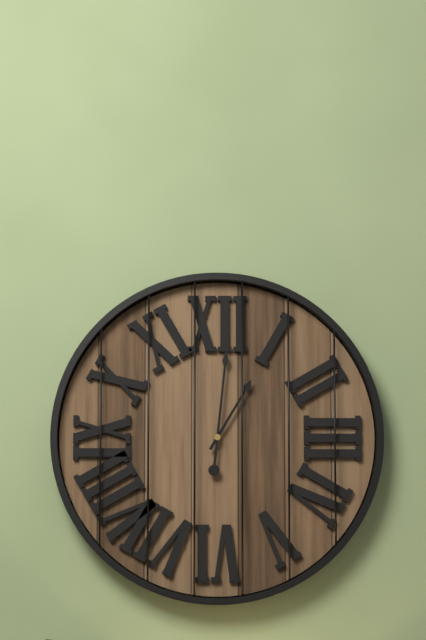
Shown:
1h01
